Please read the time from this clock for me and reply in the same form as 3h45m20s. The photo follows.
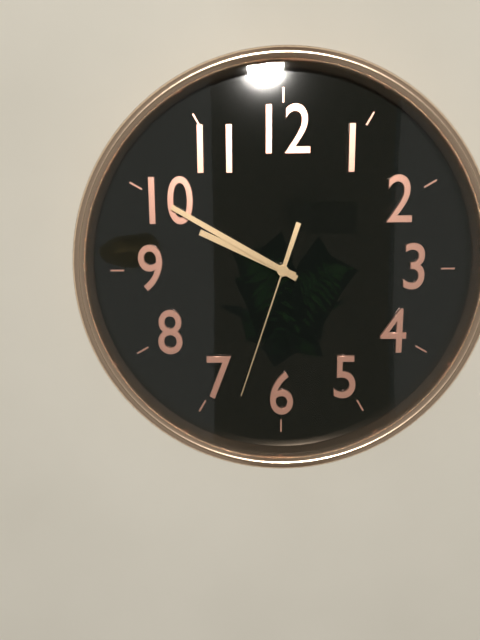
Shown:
9h50m33s
